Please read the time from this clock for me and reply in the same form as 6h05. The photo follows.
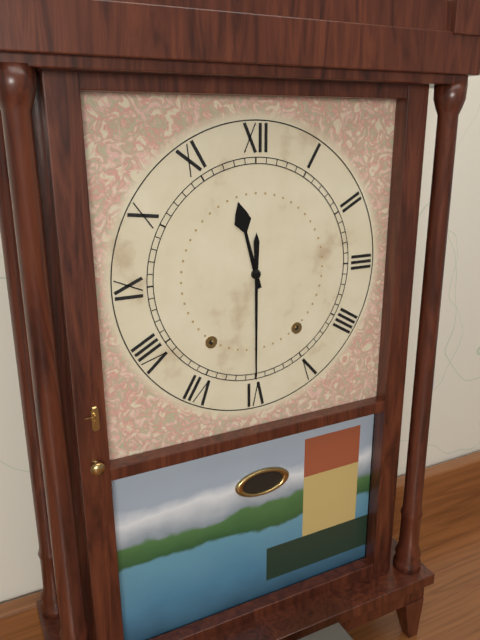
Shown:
11h30
